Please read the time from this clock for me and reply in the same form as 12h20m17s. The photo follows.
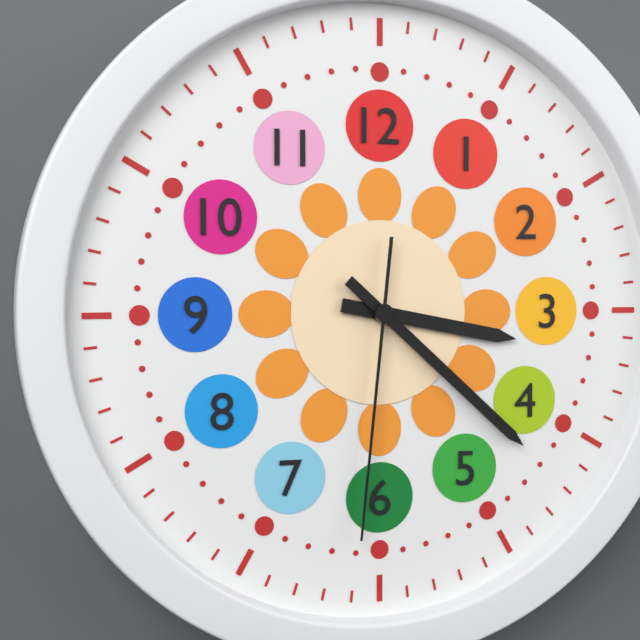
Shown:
3h22m31s
